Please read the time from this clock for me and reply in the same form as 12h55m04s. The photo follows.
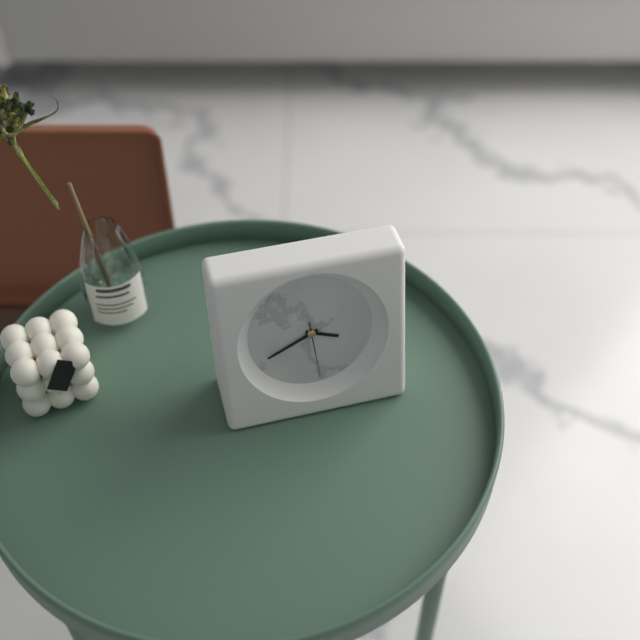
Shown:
3h41m29s
